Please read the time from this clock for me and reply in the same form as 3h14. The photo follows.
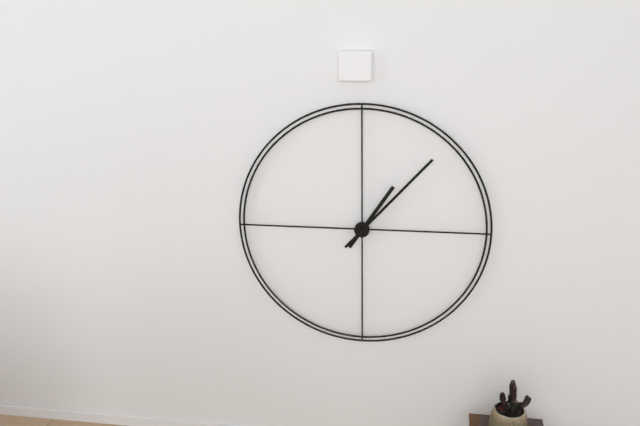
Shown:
1h07
